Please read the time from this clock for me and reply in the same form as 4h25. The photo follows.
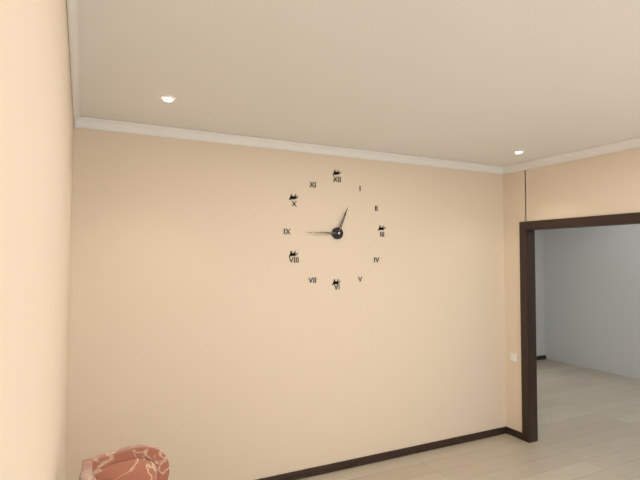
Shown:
12h45
